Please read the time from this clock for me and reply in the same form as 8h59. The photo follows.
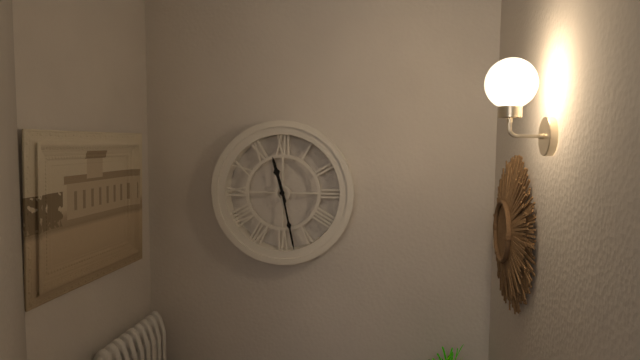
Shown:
11h28
